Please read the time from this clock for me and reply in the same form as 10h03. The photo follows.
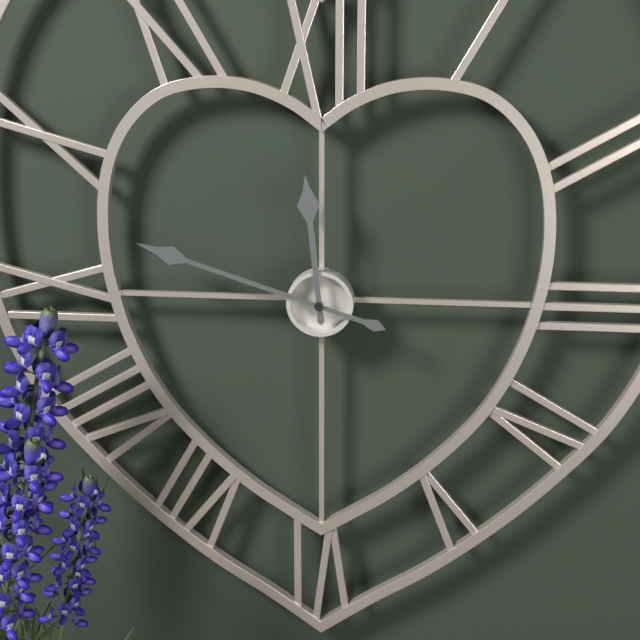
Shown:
11h48
